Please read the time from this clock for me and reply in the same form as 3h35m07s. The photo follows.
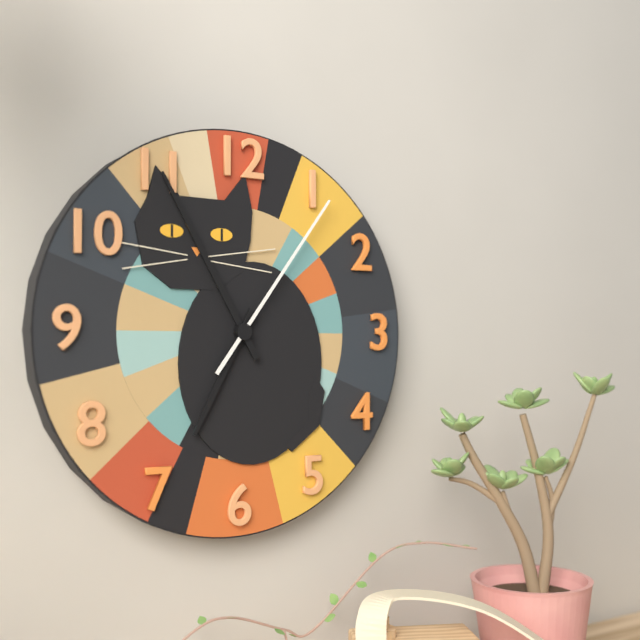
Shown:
6h55m06s
